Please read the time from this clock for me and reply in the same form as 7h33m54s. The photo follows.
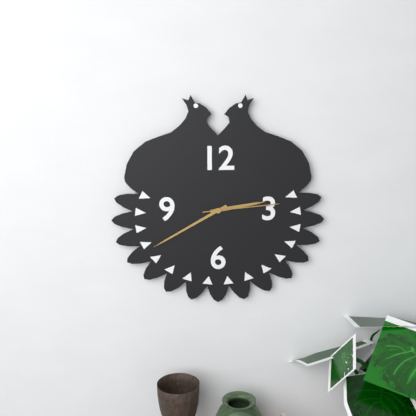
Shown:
2h40m14s
